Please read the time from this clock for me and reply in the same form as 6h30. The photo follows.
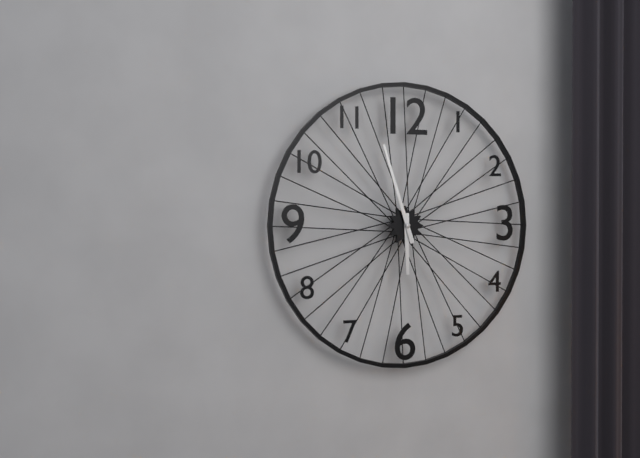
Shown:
5h57
